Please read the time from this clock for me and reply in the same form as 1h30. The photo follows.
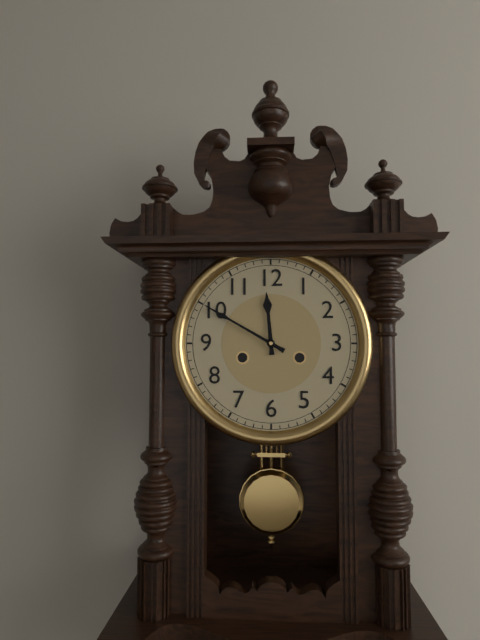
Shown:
11h50
